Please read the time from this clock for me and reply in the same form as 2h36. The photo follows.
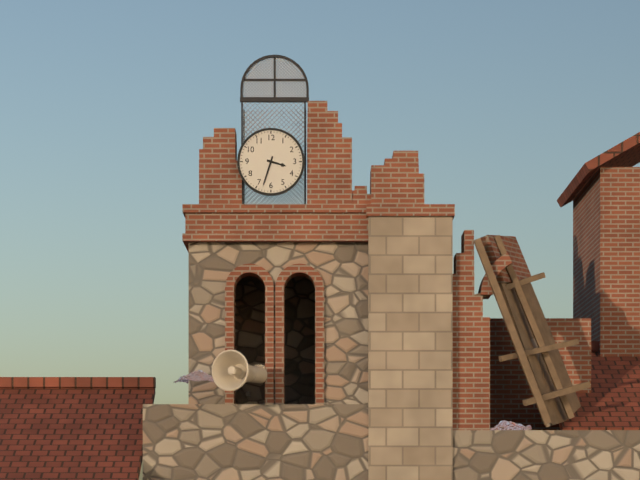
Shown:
3h33
